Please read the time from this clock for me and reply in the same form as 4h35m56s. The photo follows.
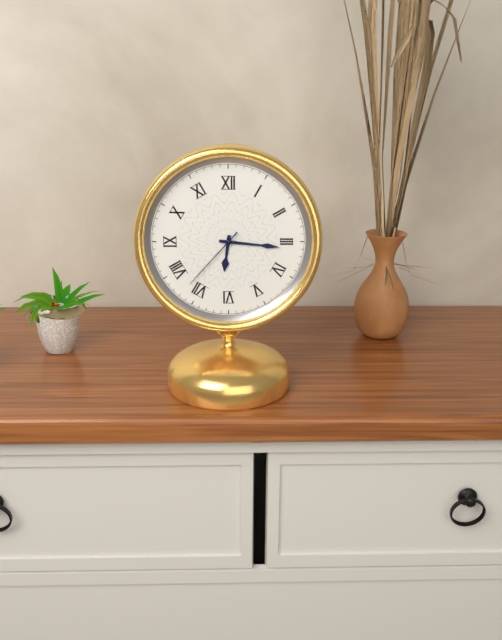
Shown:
6h16m37s
